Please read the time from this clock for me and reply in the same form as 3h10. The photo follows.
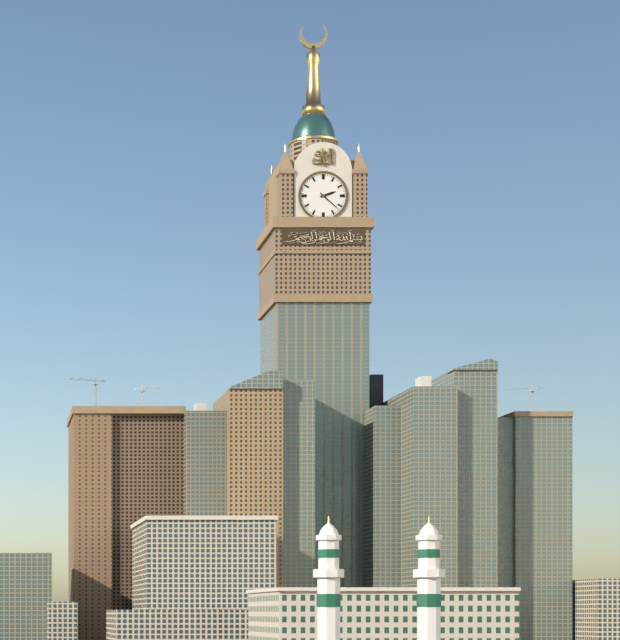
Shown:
2h22
